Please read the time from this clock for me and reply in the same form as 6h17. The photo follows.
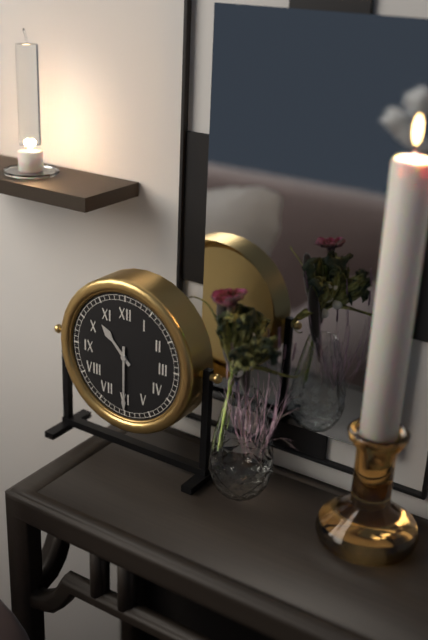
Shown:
10h30
